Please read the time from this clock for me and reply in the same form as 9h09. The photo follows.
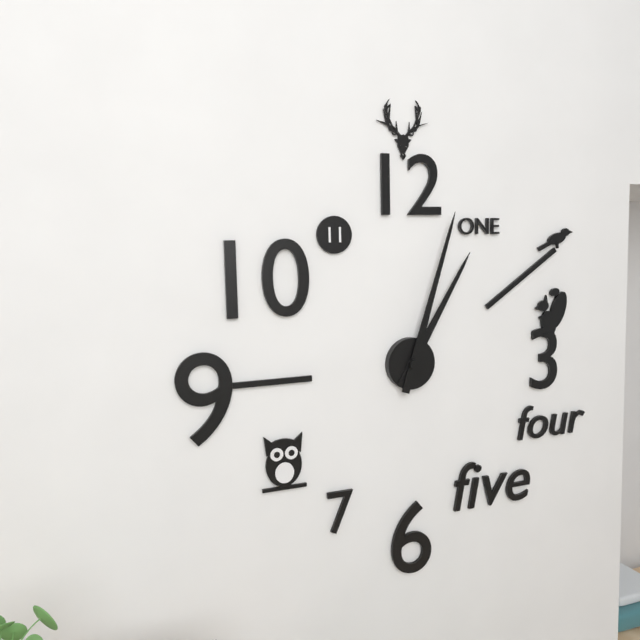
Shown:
1h03
